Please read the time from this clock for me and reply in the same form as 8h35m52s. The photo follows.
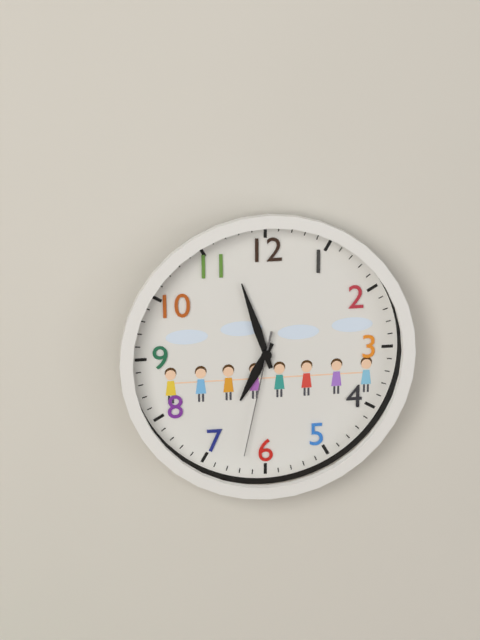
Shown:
6h57m32s
